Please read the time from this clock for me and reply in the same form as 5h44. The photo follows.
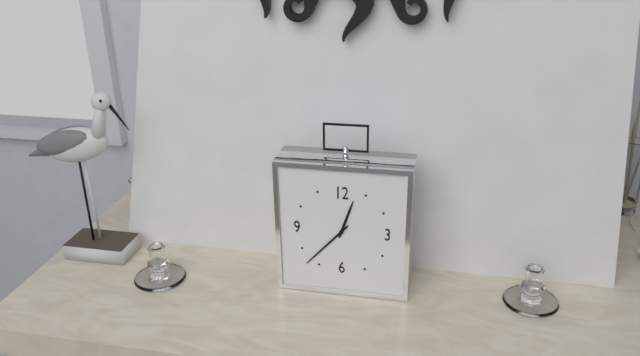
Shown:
12h37
